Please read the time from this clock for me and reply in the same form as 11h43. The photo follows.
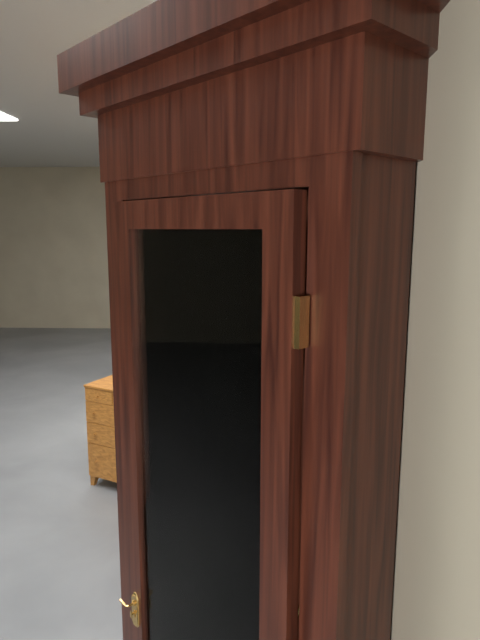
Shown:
7h52
